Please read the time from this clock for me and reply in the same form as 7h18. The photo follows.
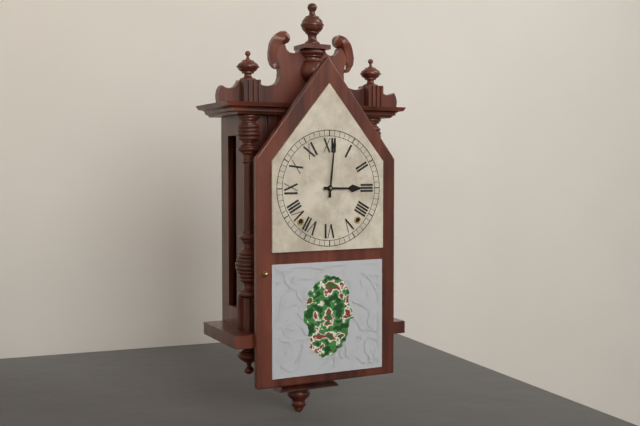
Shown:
3h01
